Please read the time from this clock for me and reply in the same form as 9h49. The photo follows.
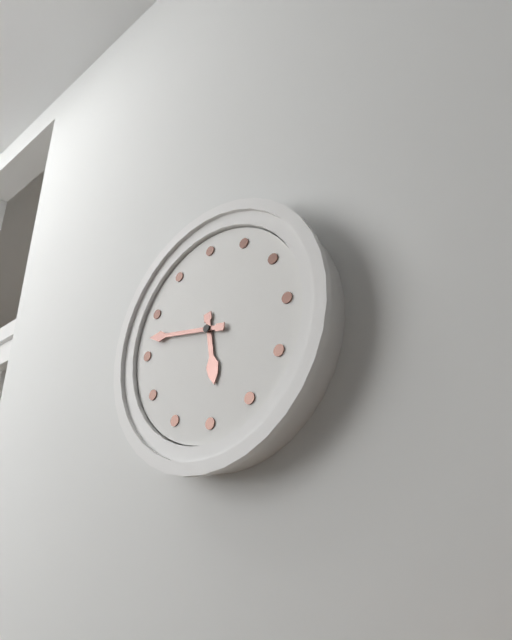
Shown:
5h47
